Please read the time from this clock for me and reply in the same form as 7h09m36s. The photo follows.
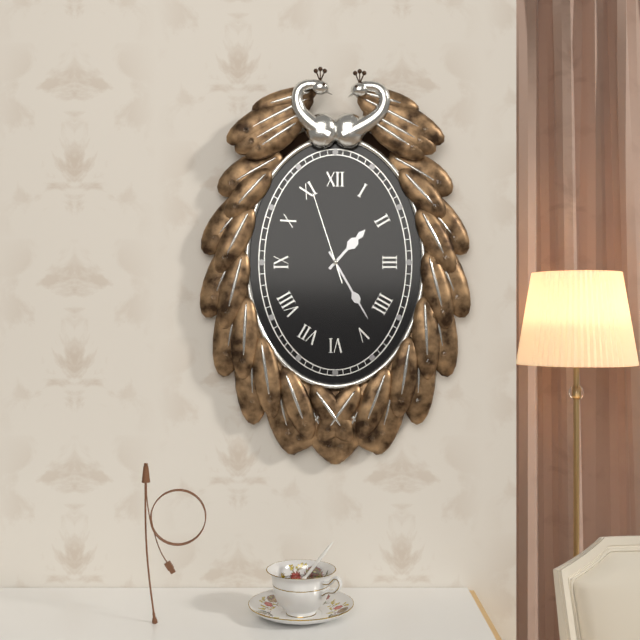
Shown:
1h25m57s
